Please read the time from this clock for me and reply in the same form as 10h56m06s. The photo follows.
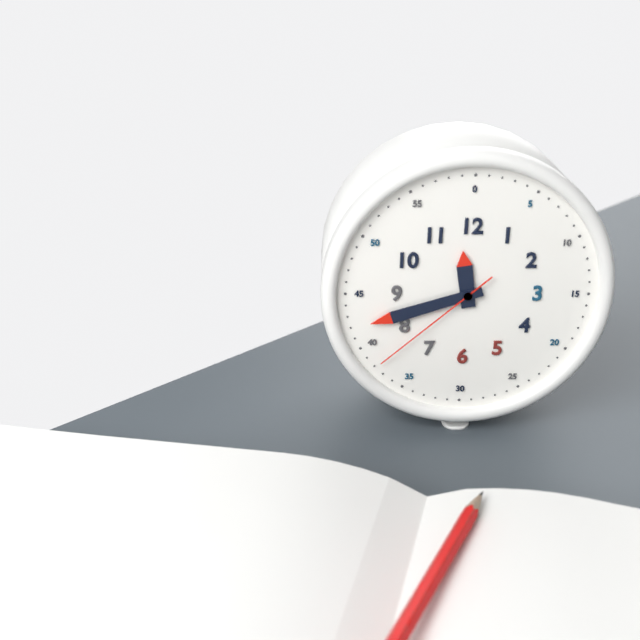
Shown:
11h42m38s
